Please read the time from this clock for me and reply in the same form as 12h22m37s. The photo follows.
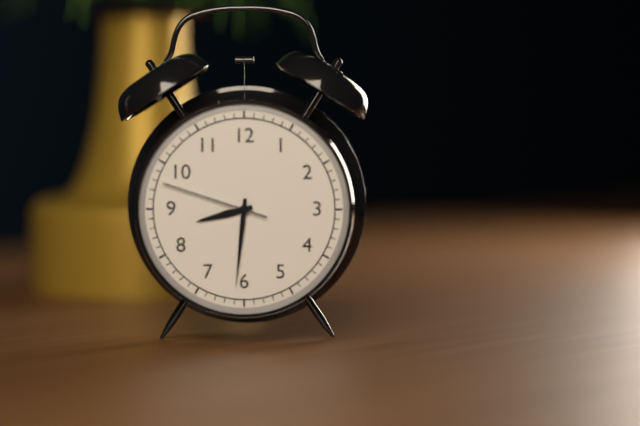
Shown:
8h31m48s
